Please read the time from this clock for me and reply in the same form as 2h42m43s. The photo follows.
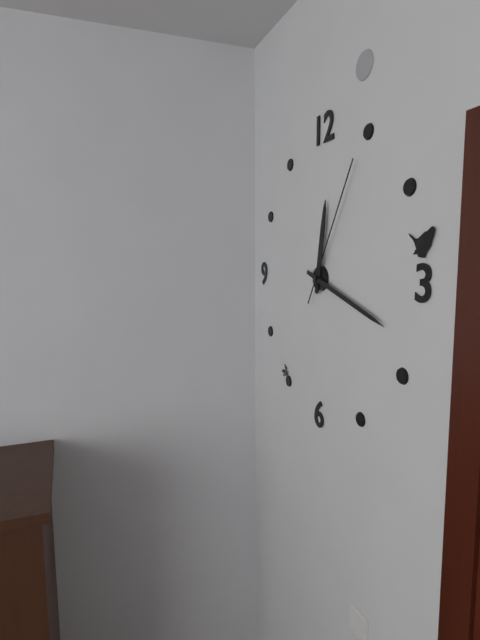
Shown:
12h18m05s
